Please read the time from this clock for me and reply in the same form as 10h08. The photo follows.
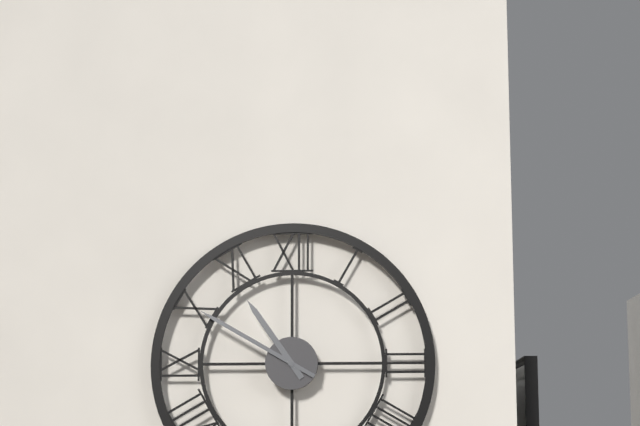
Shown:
10h50
